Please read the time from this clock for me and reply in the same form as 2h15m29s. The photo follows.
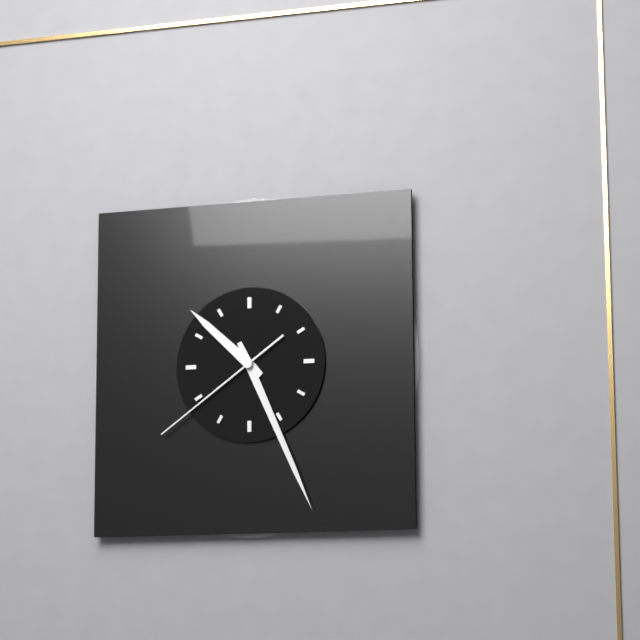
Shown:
10h26m39s
